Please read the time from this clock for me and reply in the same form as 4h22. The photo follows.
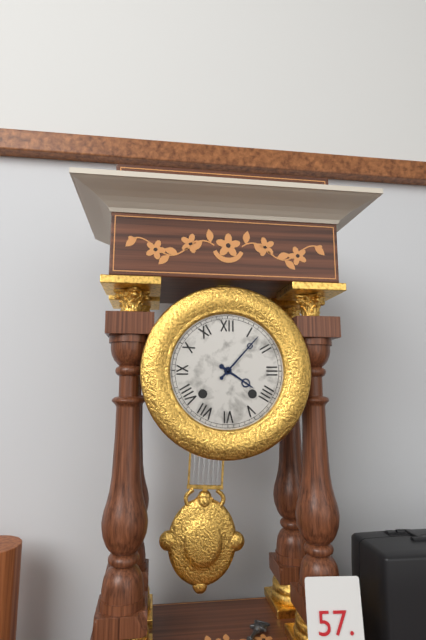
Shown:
4h07
